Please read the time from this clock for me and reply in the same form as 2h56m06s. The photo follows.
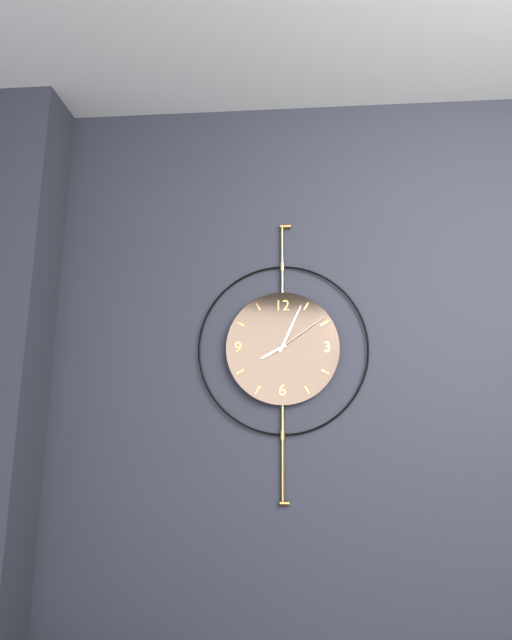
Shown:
8h04m09s
